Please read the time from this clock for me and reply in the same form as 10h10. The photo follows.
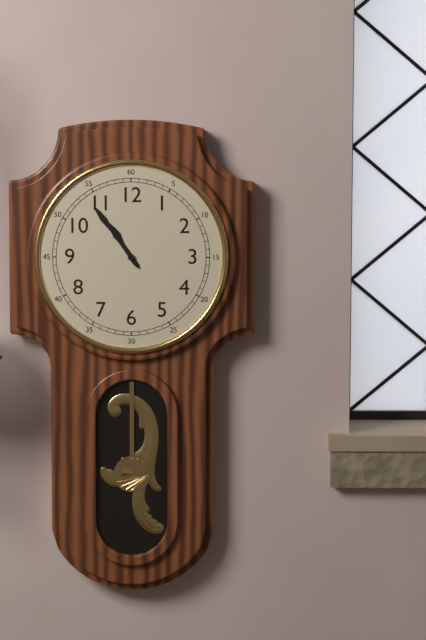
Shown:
10h54
